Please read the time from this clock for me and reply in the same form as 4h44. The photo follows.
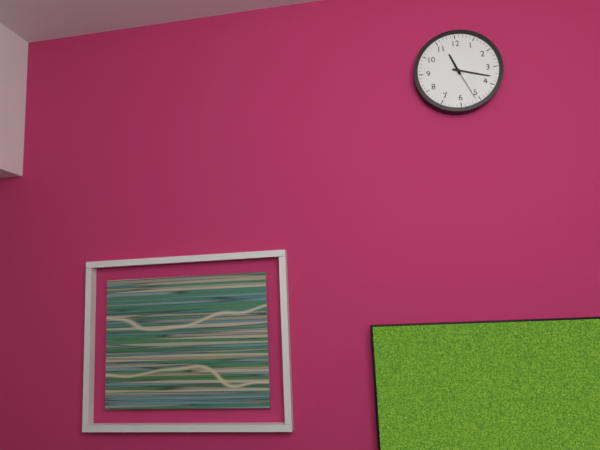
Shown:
11h18
